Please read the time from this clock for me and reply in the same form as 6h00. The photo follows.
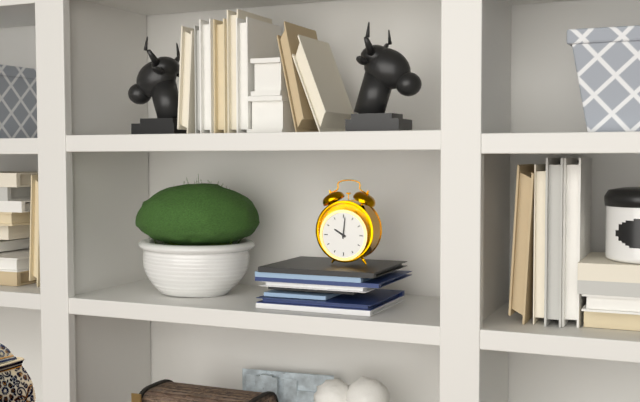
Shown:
10h01
